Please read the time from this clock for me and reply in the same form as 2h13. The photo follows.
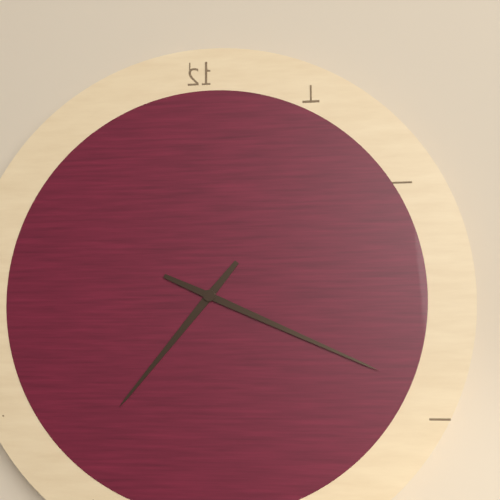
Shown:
7h19
